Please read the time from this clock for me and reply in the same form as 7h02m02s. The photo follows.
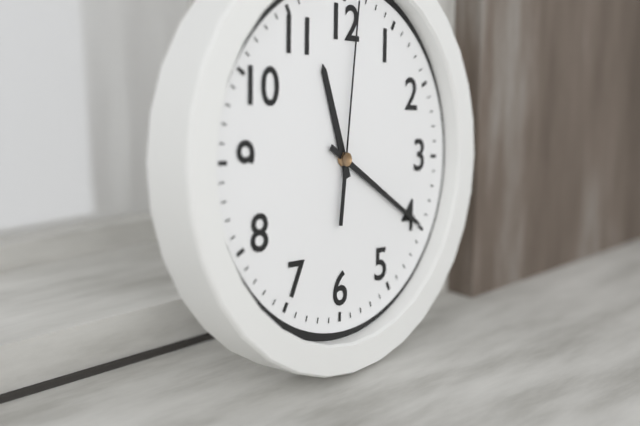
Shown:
11h20m01s
